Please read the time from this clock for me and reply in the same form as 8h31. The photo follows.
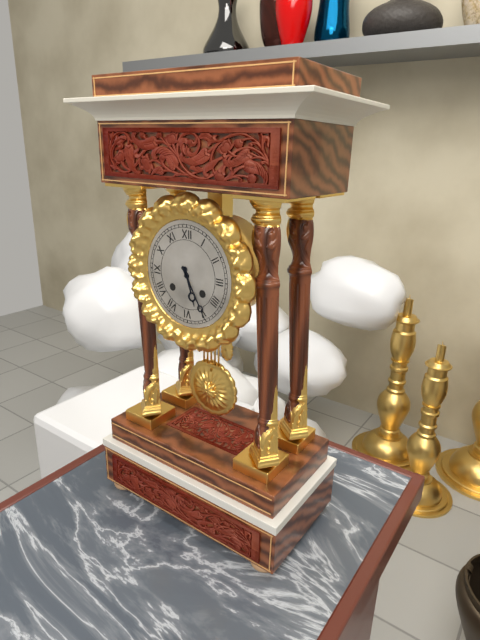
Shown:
5h25
